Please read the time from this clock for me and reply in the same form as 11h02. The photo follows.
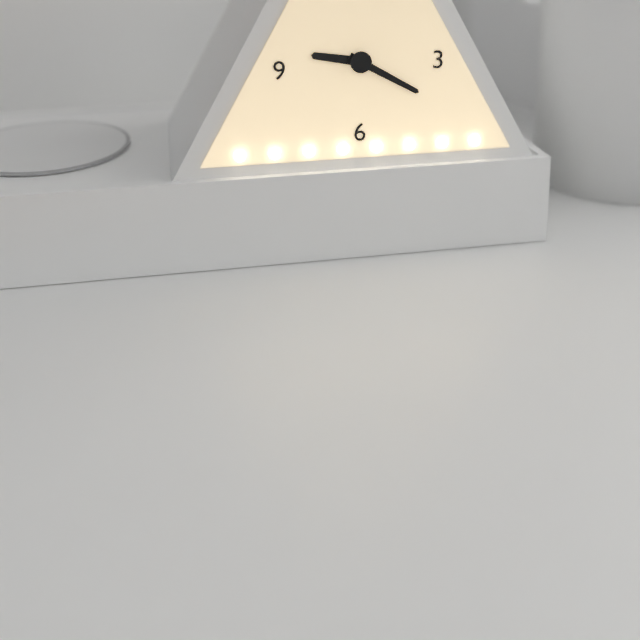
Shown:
9h20
